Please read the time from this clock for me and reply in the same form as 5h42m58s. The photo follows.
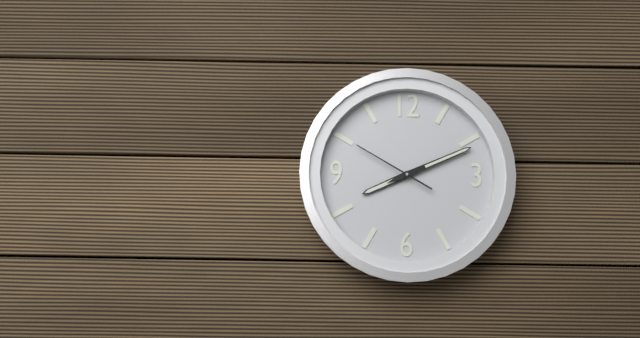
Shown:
8h11m50s
